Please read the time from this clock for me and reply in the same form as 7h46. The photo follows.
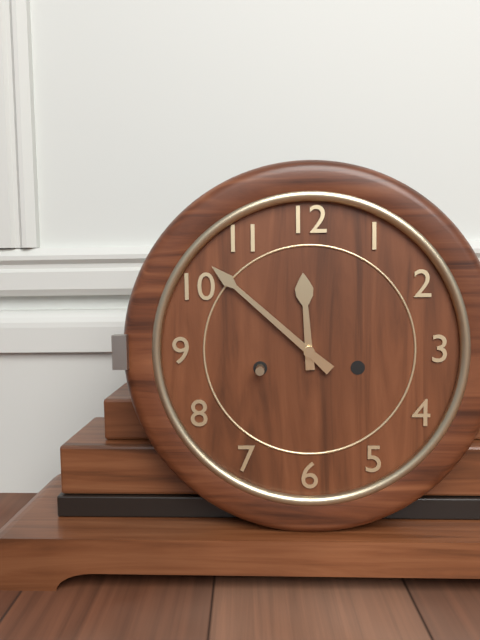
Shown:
11h52
